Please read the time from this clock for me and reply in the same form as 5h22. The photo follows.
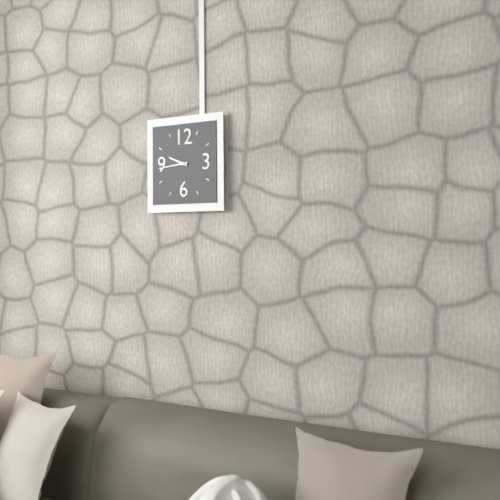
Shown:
9h44
